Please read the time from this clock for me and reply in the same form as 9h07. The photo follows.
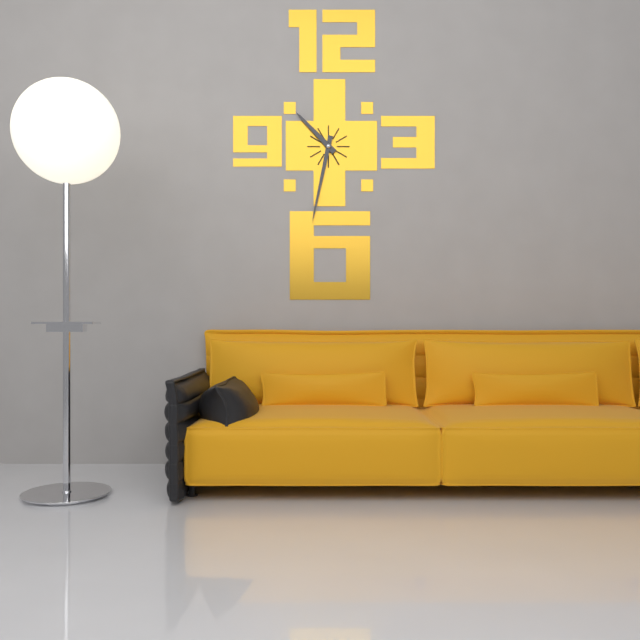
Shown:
10h32
